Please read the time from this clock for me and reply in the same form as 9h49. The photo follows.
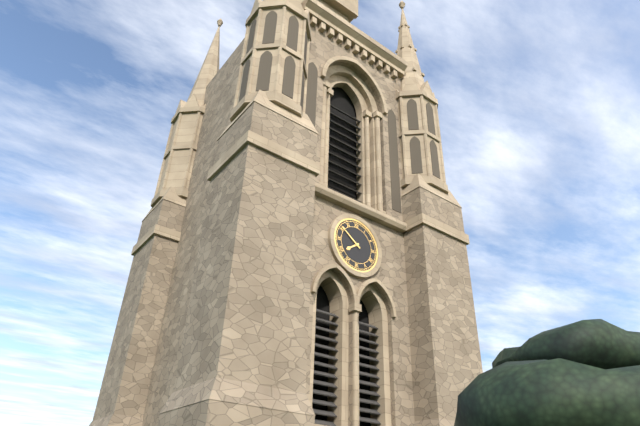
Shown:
7h51
